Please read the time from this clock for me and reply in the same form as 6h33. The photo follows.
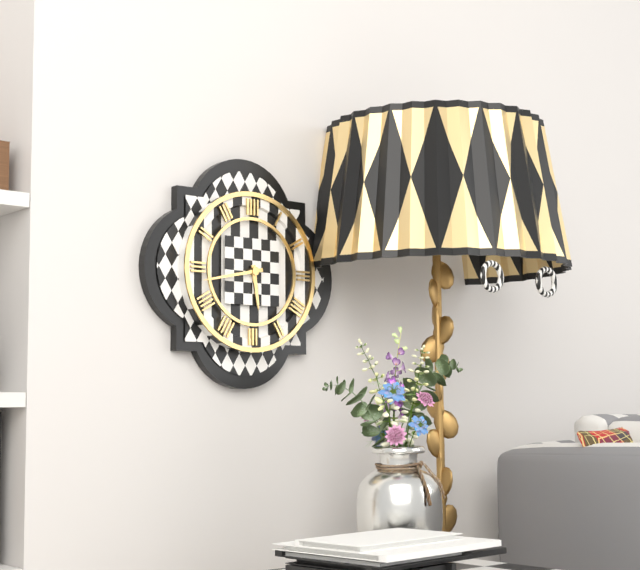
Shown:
5h43
